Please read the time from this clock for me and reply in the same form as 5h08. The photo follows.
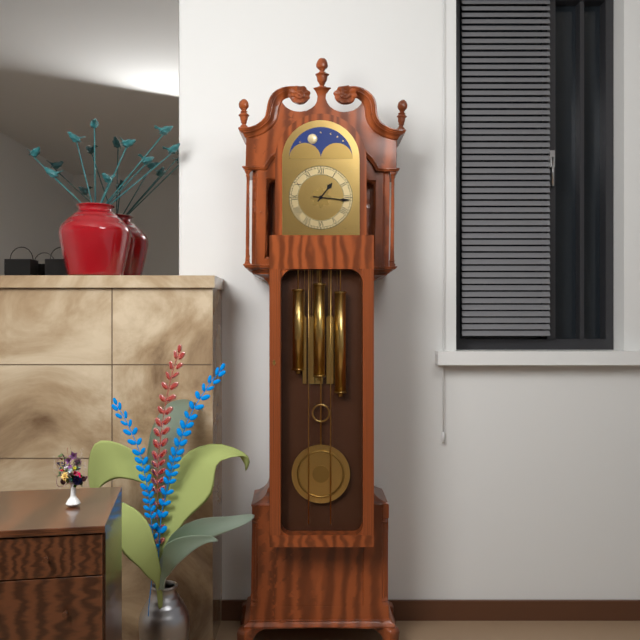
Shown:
1h16
